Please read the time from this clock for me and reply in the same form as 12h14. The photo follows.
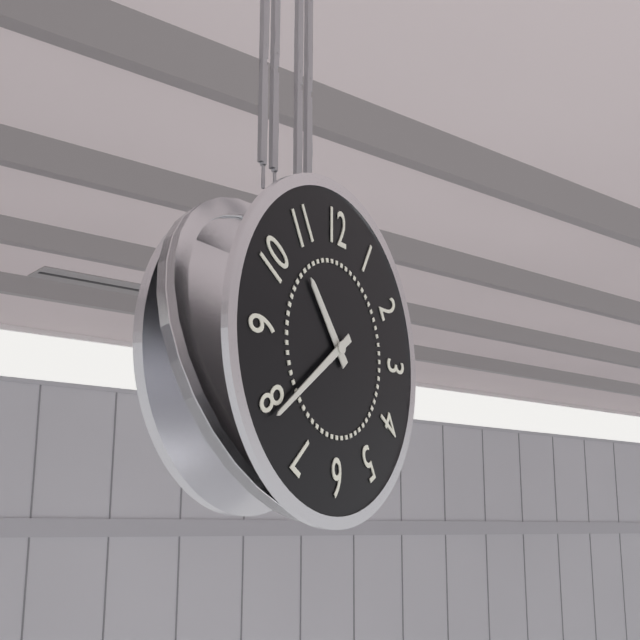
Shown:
10h39
